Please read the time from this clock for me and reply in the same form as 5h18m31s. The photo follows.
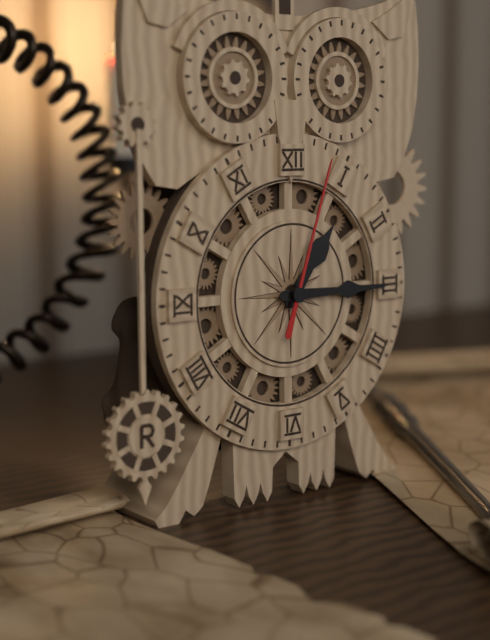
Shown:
1h15m03s
